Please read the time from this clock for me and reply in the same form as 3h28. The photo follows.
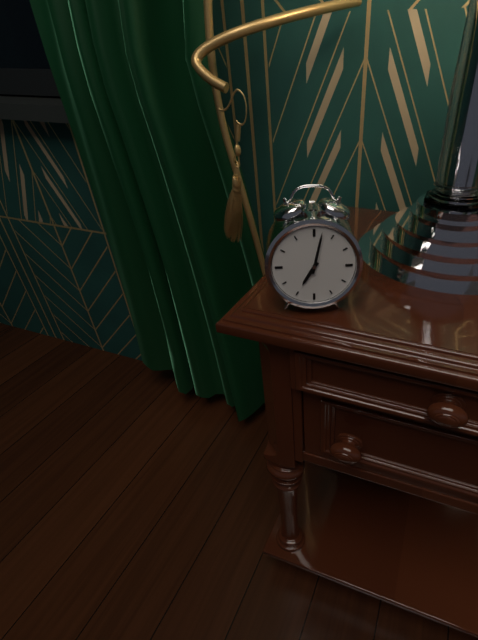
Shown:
7h02
